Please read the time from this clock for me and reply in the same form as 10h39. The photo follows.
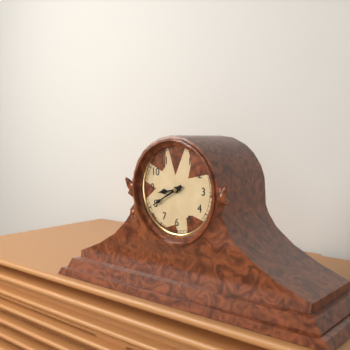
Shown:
8h40
